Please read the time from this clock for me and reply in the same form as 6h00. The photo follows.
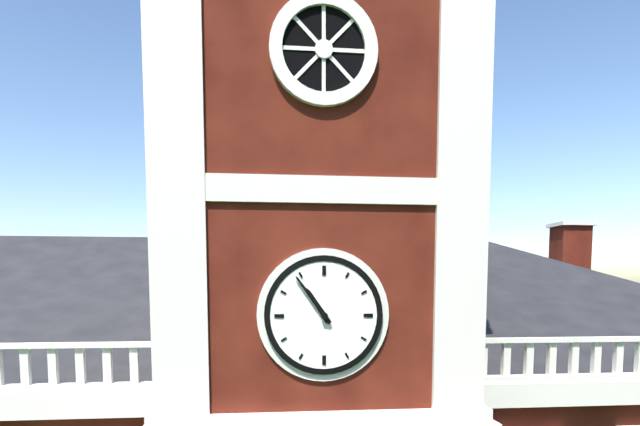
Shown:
10h54
